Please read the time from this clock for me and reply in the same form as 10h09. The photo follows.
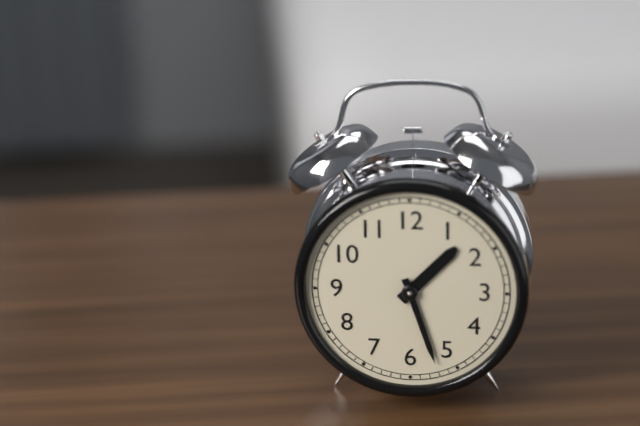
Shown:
1h27
